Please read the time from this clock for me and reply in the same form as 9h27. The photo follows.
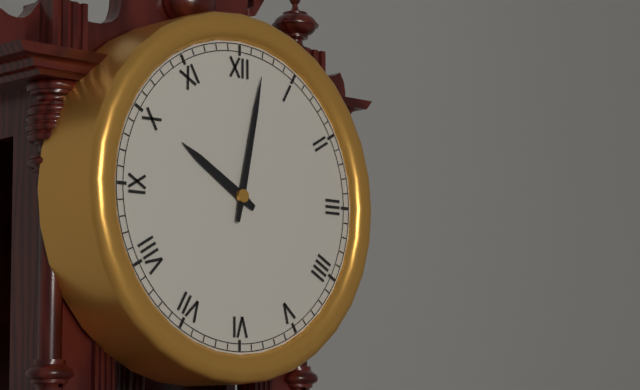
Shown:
10h02
